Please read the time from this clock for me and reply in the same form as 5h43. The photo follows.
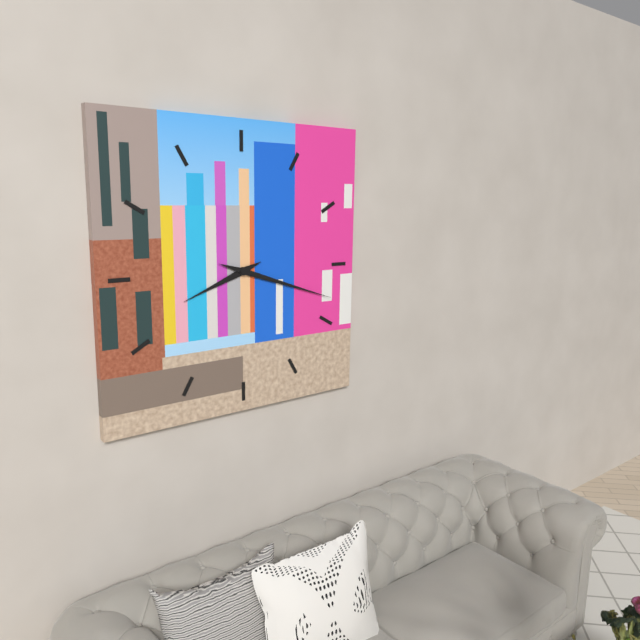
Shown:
8h18
